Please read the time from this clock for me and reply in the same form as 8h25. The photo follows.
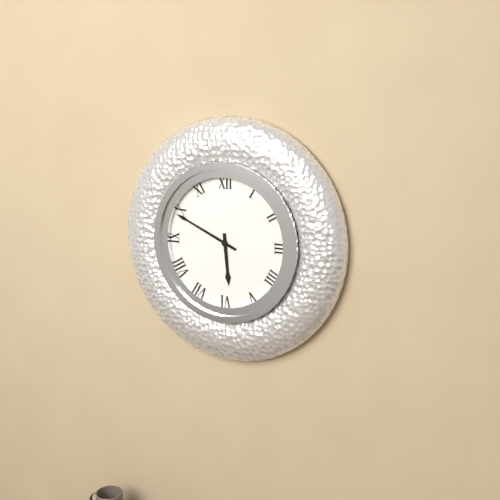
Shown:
5h49
